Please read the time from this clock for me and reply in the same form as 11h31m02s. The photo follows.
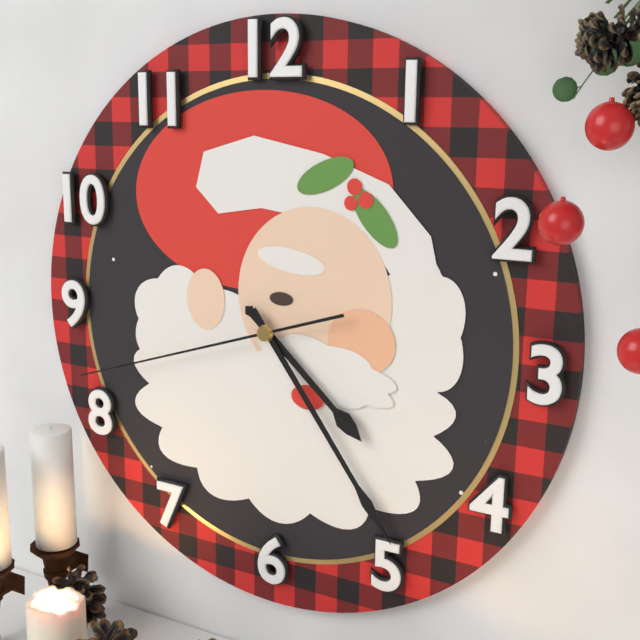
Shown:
4h24m42s
